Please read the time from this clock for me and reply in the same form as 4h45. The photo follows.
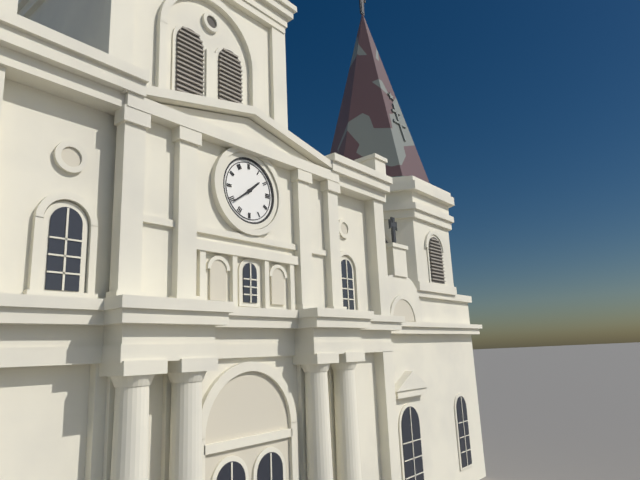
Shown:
1h39
